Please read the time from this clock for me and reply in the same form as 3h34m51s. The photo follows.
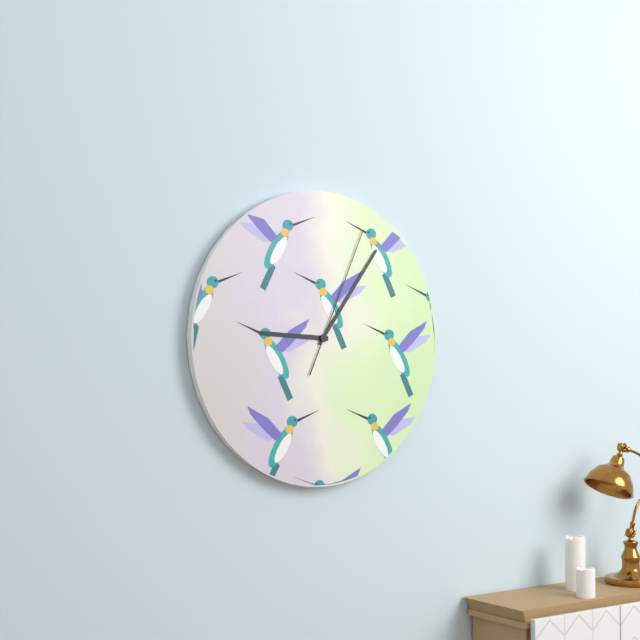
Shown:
9h06m04s
